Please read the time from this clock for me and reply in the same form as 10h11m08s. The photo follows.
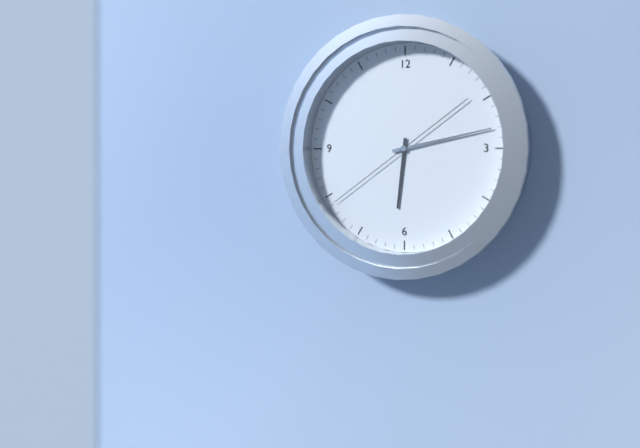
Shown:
6h13m39s
